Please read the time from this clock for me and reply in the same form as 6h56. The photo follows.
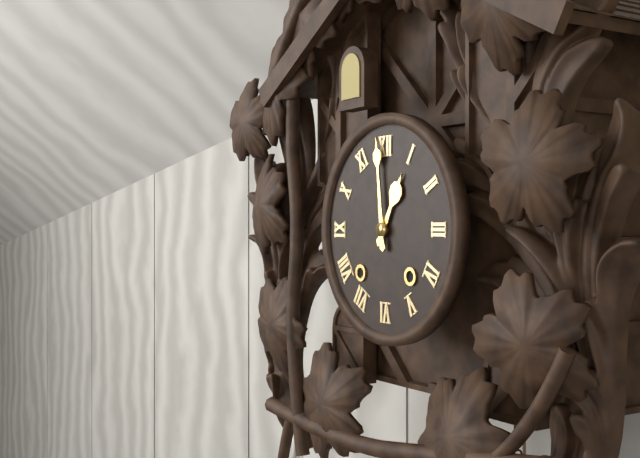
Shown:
12h59
